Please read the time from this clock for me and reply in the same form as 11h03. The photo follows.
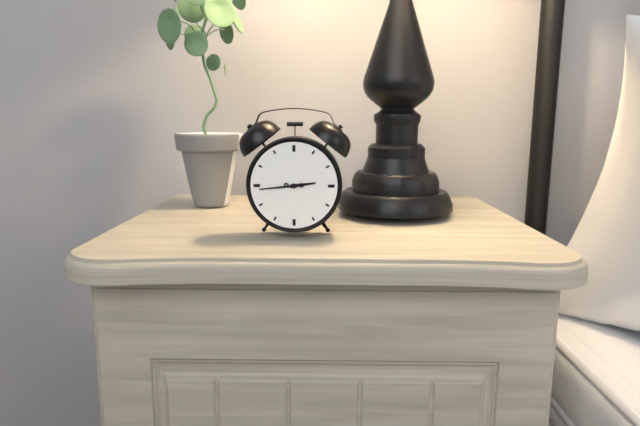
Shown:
2h44
